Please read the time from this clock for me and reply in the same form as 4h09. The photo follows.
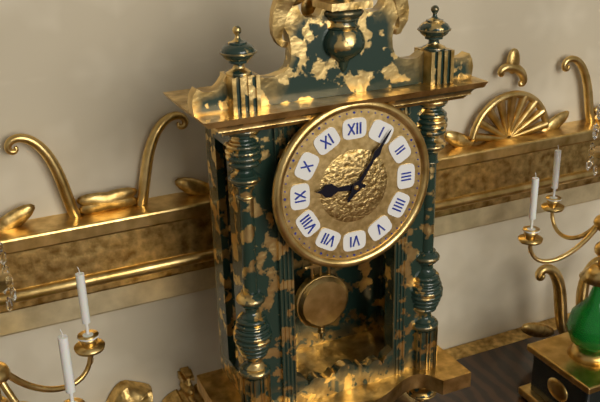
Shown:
9h06
